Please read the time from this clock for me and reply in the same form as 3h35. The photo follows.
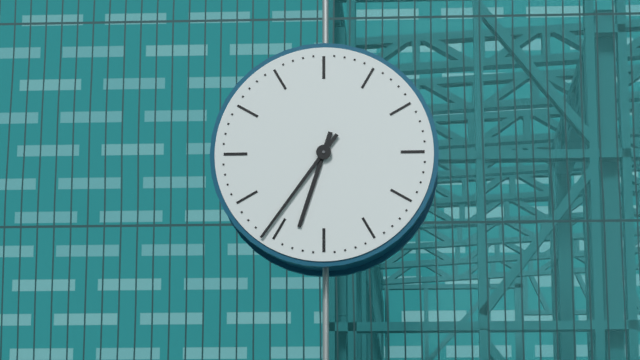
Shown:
6h36
